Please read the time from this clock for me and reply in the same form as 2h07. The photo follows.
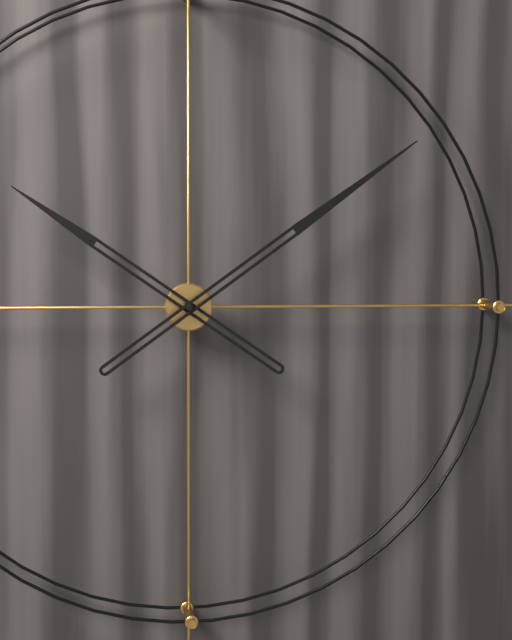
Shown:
10h09
